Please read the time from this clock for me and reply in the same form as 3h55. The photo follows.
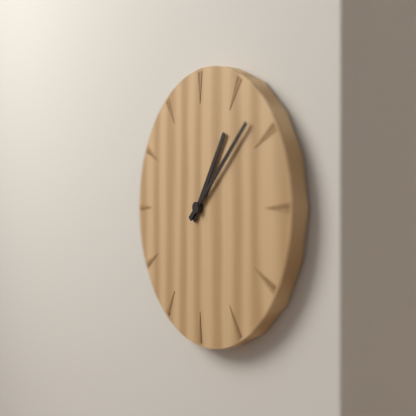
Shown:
1h08
